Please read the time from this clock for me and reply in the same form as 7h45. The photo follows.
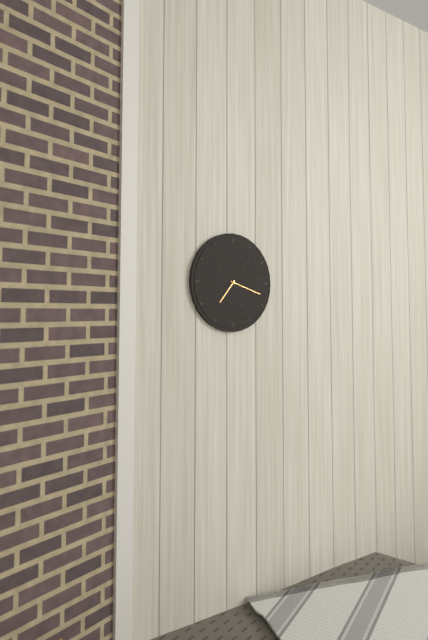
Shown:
7h18
